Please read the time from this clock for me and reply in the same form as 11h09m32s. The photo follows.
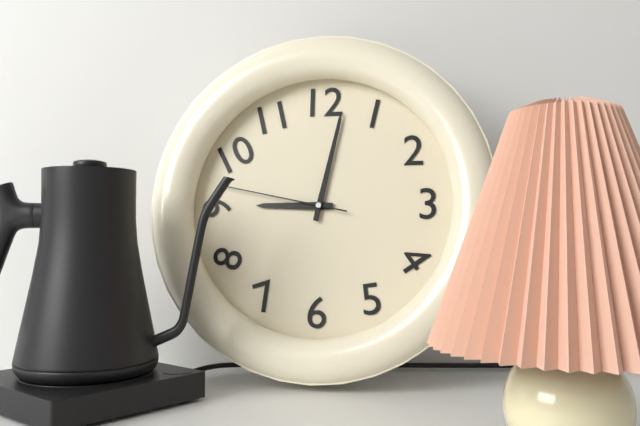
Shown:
9h02m47s
